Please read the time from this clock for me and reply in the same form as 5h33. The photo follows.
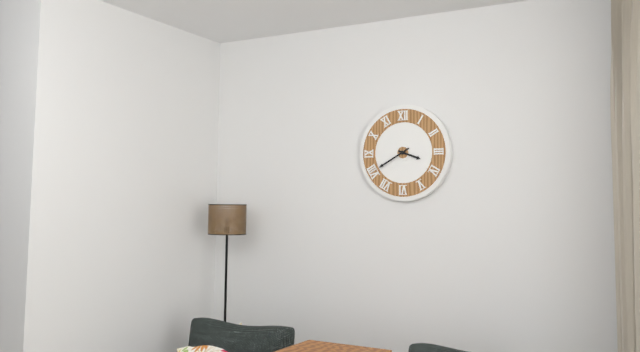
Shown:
3h40
